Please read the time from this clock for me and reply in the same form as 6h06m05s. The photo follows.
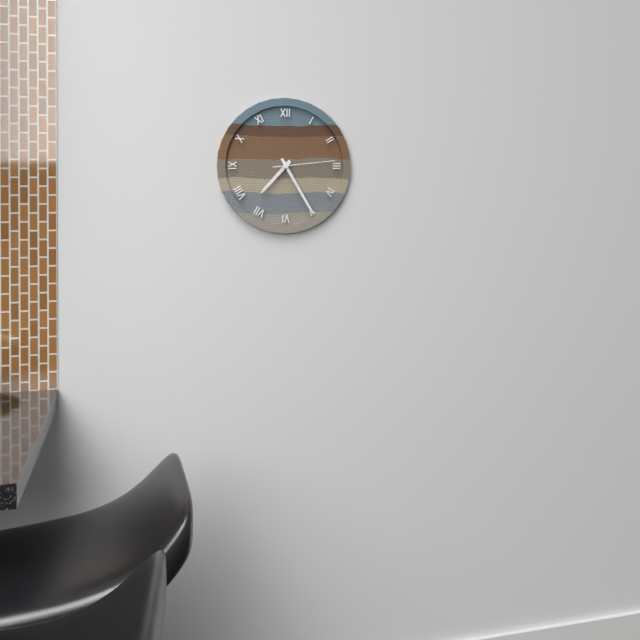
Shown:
7h25m14s
